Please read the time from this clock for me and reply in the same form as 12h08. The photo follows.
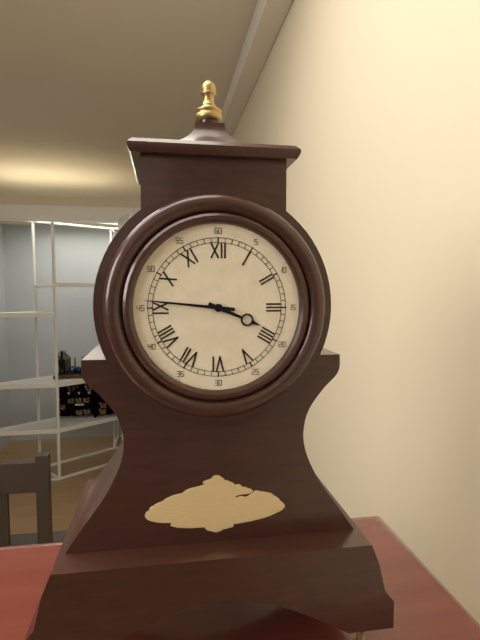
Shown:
3h46
